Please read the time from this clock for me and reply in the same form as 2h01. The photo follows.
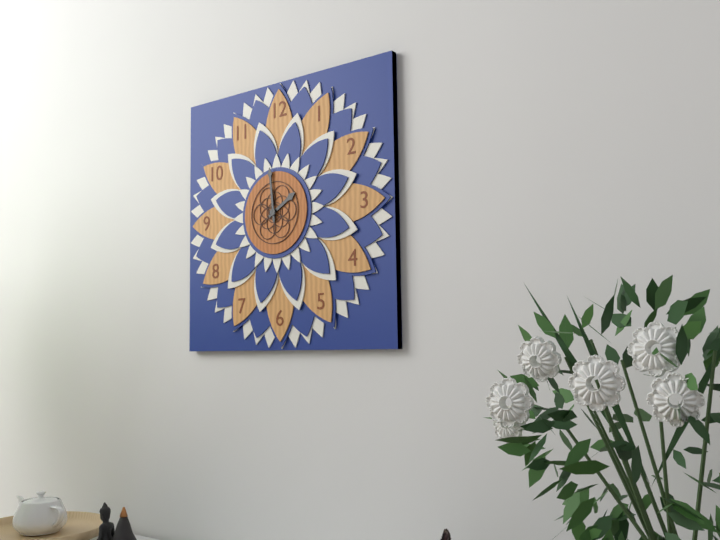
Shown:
1h59
